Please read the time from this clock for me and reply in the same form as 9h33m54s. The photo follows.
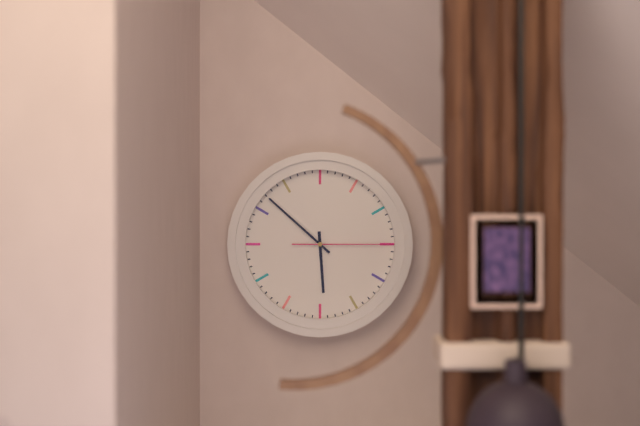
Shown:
5h52m15s
